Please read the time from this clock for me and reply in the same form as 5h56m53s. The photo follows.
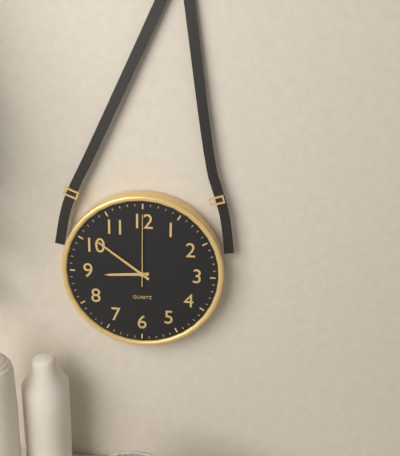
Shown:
8h51m00s
